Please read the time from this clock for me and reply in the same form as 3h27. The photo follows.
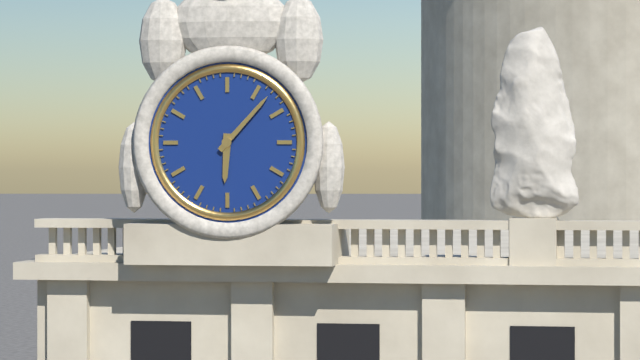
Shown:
6h07
